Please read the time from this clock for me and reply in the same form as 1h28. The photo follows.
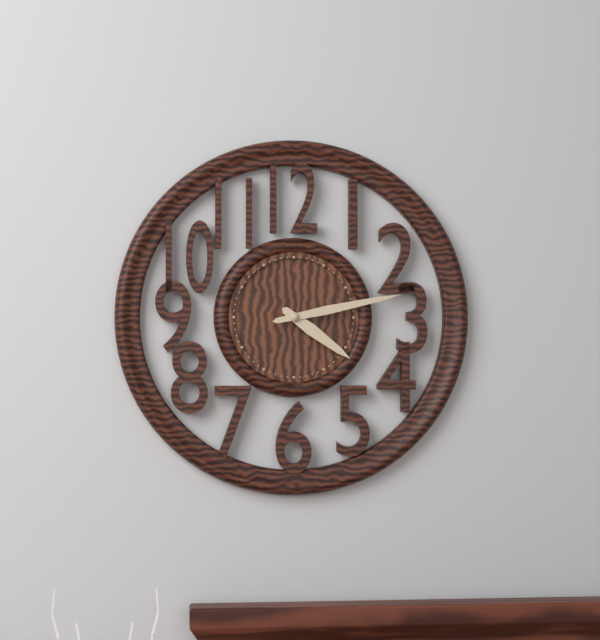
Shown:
4h13
